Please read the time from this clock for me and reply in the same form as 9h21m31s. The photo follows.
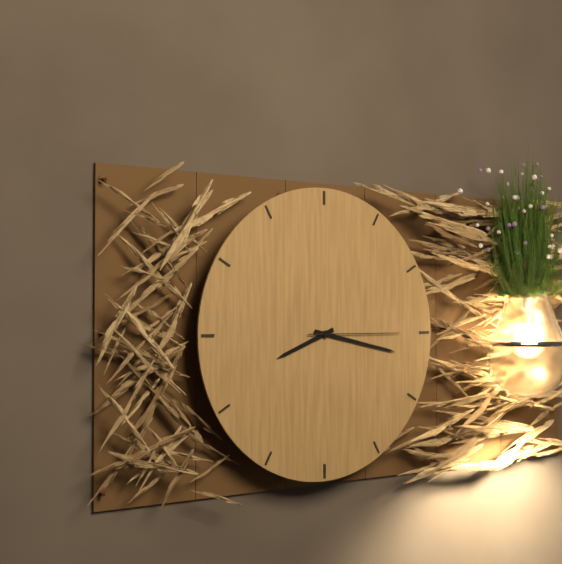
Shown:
8h17m15s
